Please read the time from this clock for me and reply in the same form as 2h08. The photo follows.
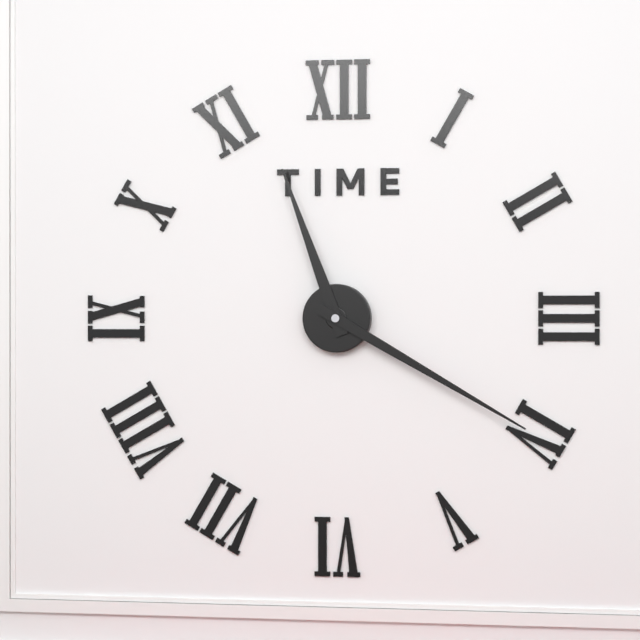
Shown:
11h20
